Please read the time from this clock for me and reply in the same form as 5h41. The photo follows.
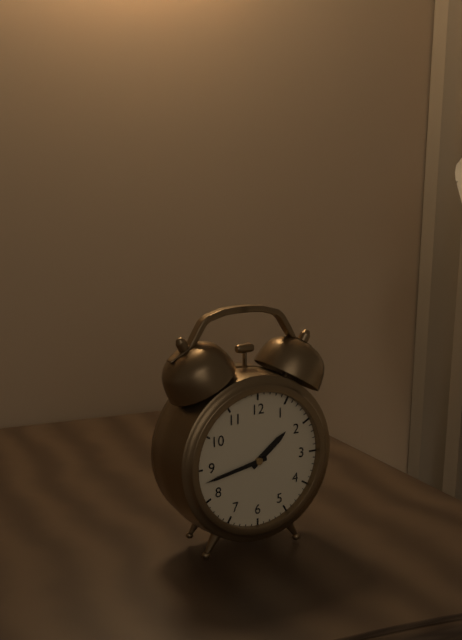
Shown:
1h43
